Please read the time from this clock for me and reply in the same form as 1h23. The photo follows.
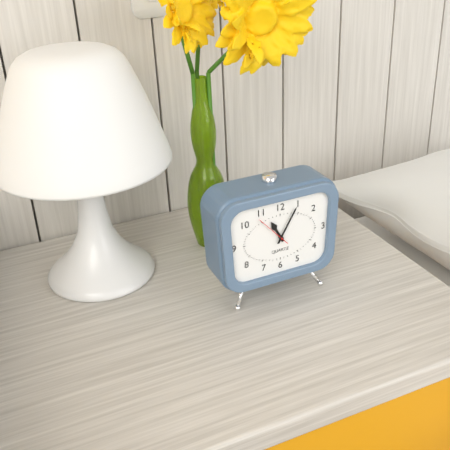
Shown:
11h05
